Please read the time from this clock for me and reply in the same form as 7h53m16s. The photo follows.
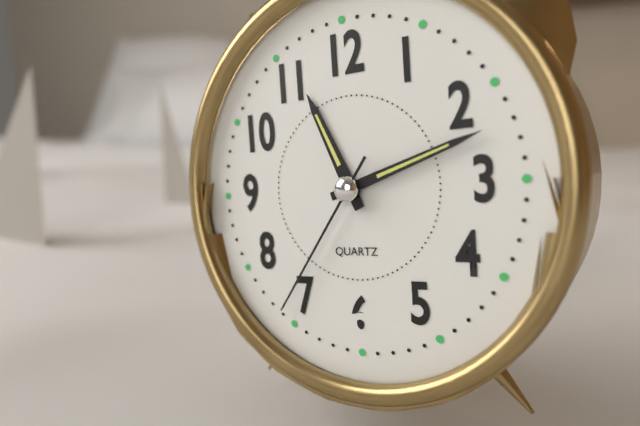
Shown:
11h12m36s
